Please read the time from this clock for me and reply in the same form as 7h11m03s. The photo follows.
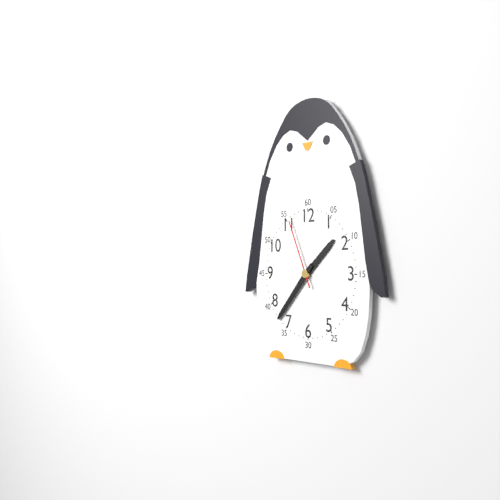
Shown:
1h37m56s
